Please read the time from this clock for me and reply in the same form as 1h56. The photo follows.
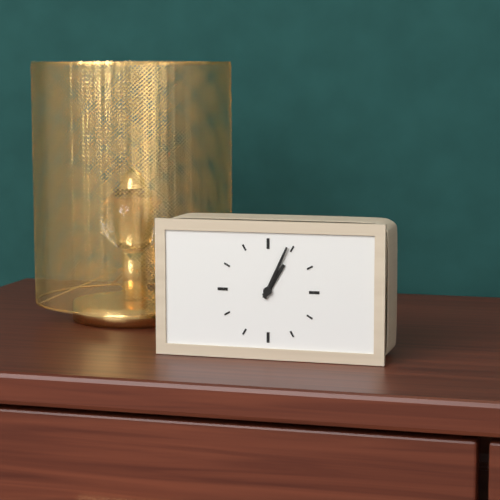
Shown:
1h04
